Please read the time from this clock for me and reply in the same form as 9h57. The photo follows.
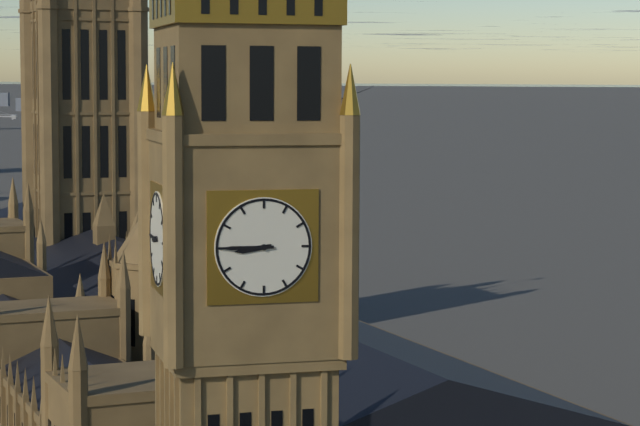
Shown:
8h45
